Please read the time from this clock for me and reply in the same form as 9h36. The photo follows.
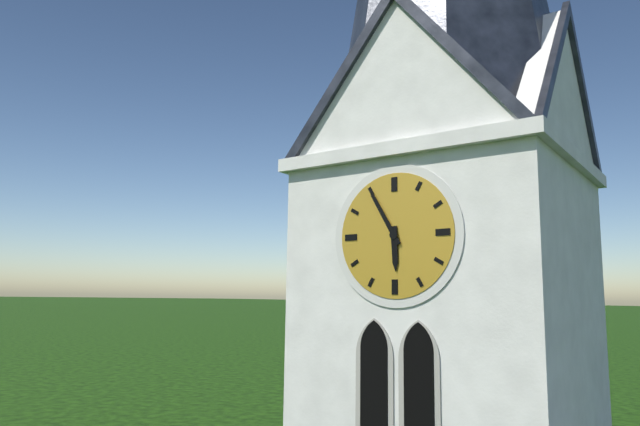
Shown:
5h55
